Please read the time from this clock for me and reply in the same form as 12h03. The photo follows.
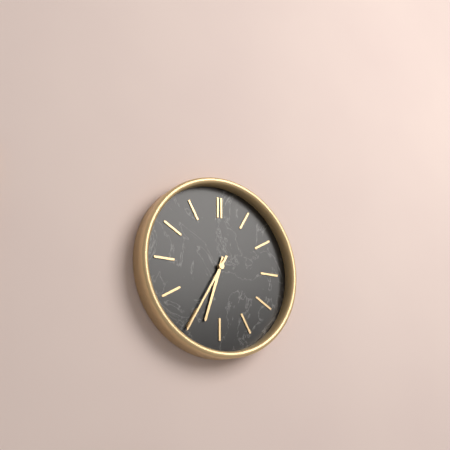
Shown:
6h35
